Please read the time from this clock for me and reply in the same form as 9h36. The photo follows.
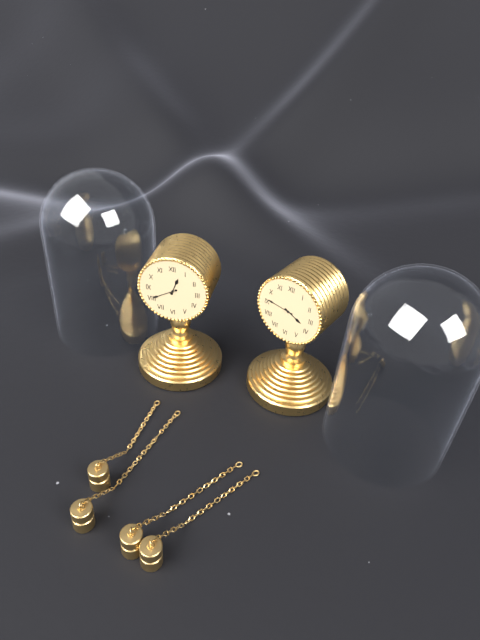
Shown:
12h40
